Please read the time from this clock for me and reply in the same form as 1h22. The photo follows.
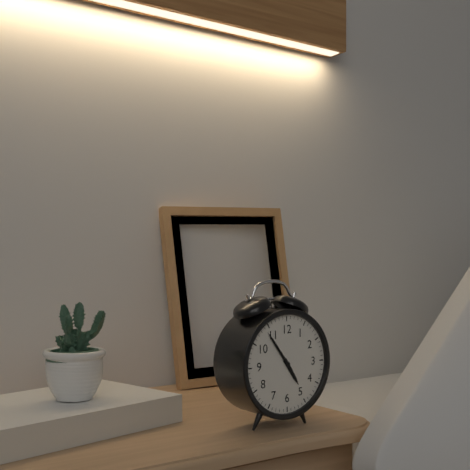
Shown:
4h54
